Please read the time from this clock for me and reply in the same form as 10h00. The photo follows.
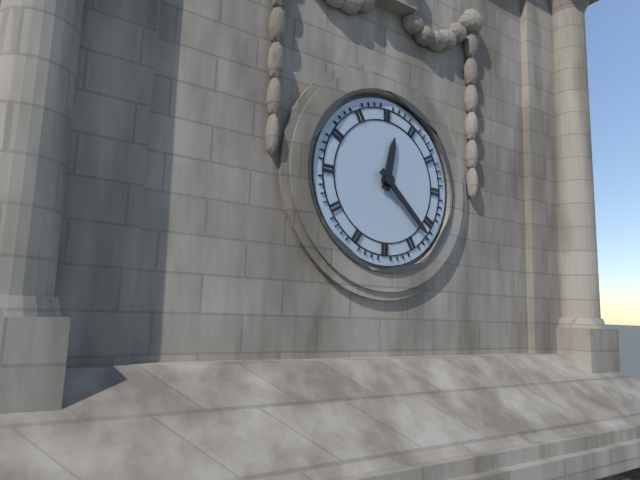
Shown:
12h22
